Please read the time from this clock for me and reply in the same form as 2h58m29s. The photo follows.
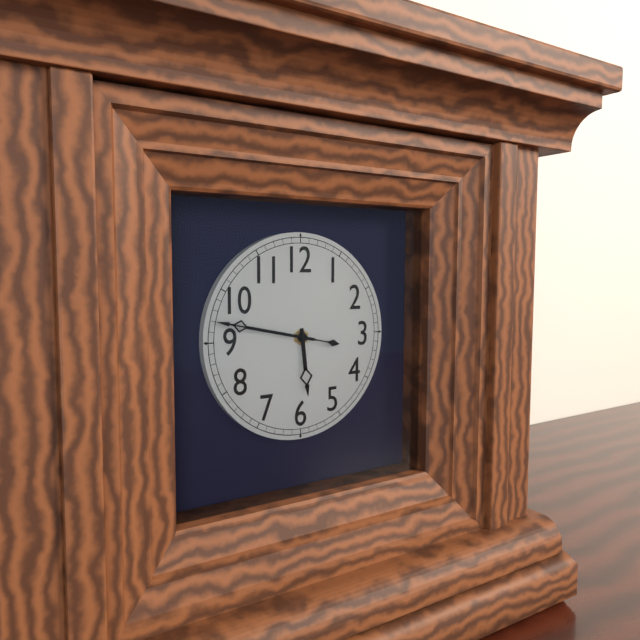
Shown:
5h47m47s
